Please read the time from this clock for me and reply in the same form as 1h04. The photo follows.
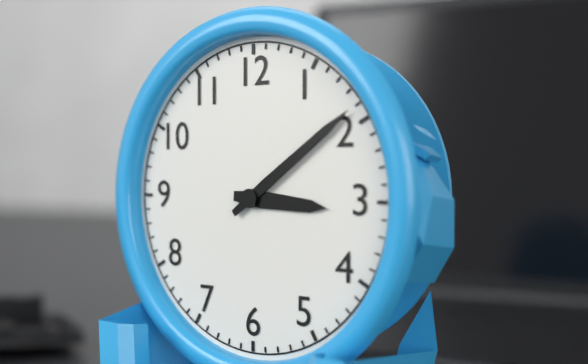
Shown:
3h09
